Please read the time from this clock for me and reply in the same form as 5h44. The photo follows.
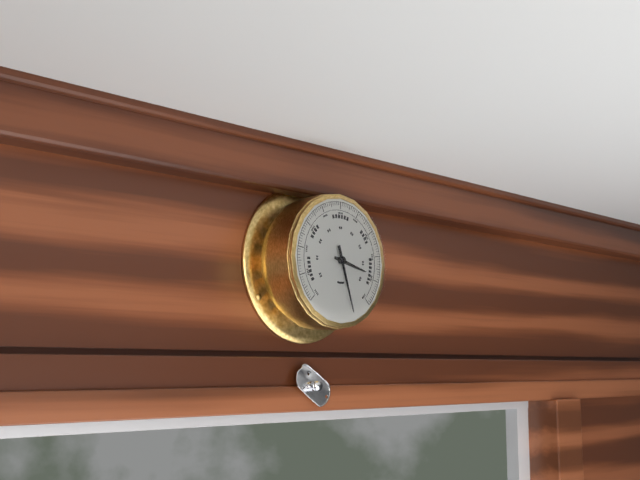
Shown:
3h27
